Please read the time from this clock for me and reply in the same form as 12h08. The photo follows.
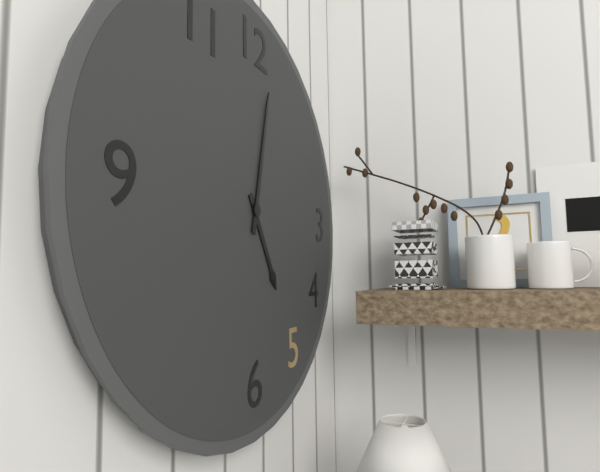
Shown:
5h02
